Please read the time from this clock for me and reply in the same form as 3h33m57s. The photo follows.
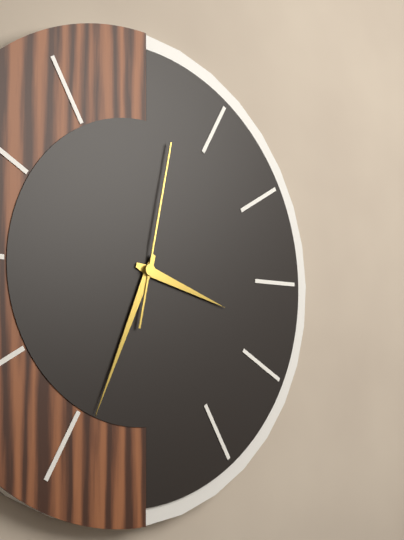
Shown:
3h34m02s
